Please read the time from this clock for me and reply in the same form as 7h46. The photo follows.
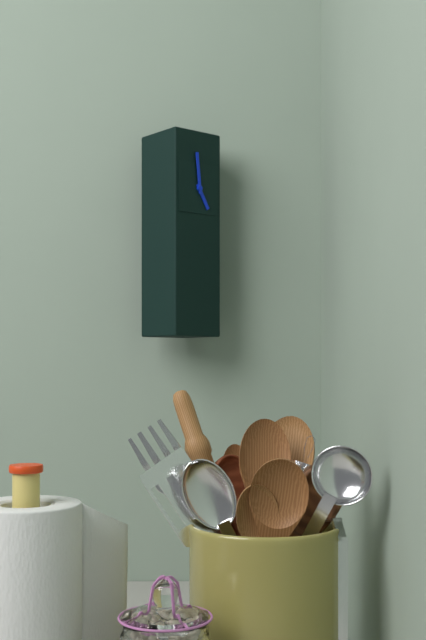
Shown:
4h59
